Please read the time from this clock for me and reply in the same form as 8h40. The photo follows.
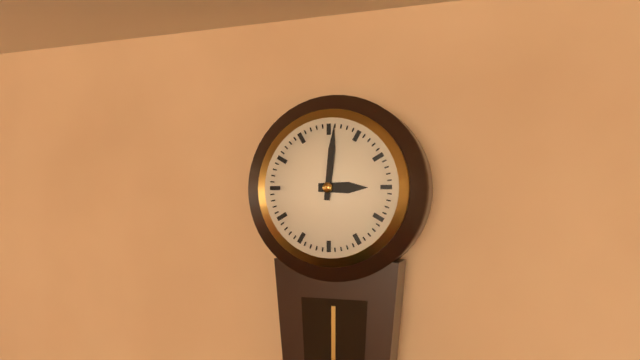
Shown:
3h01
